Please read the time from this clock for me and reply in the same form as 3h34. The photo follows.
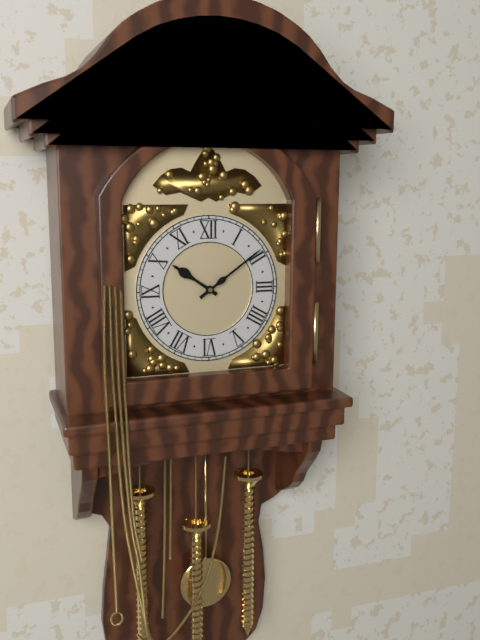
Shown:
10h09
